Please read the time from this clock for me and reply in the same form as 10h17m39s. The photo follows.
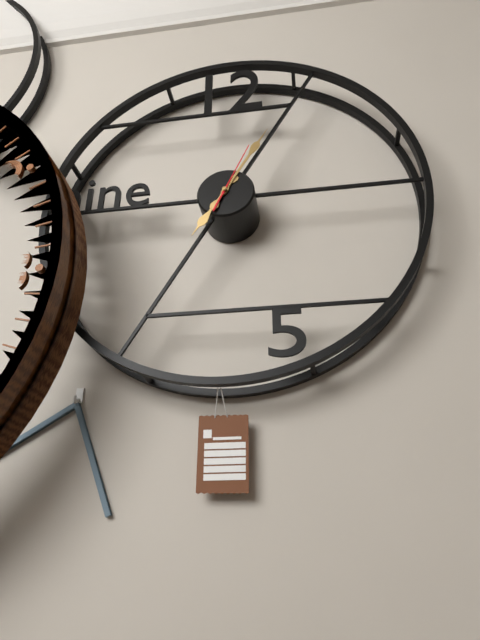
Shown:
7h05m04s
